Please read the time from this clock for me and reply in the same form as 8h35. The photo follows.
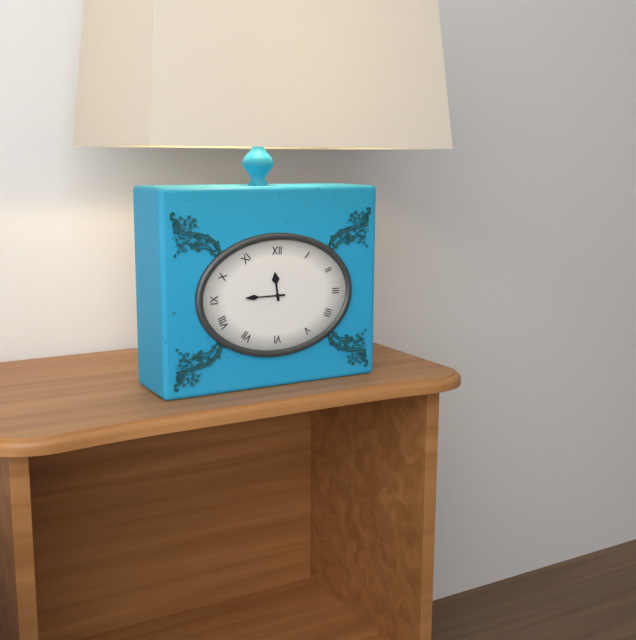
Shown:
11h45
